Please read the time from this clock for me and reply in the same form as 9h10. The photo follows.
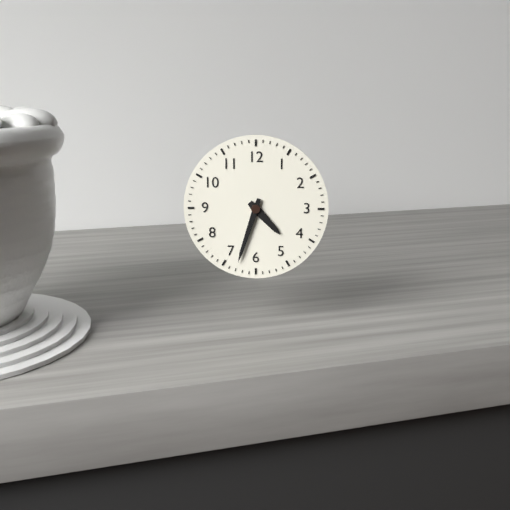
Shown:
4h33
